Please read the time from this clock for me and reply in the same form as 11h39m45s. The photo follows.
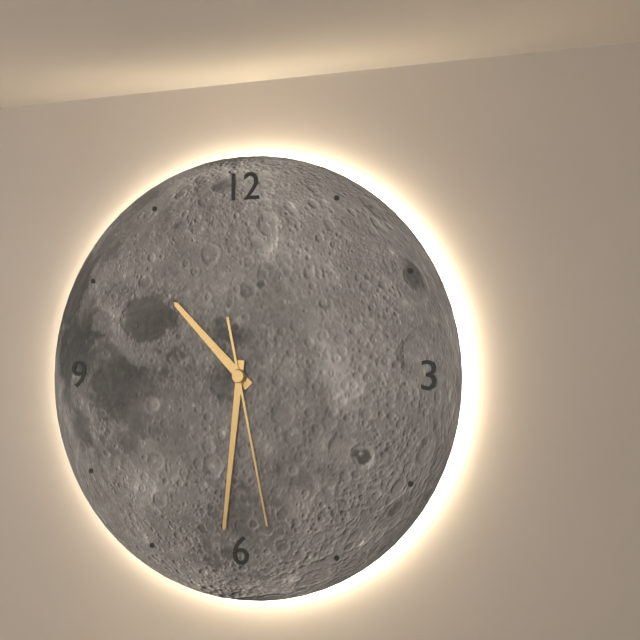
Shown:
10h31m28s
